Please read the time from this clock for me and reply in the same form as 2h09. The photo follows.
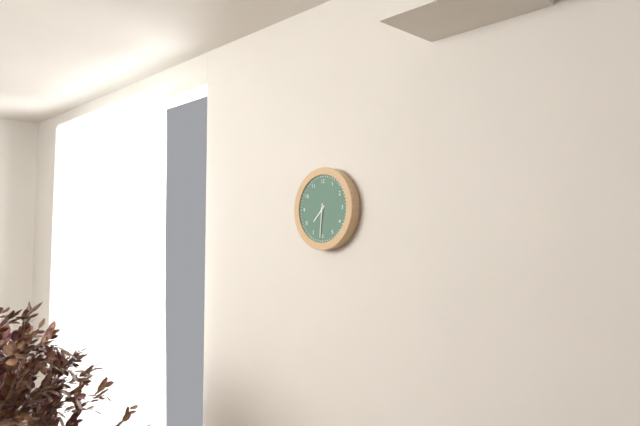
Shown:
7h31
